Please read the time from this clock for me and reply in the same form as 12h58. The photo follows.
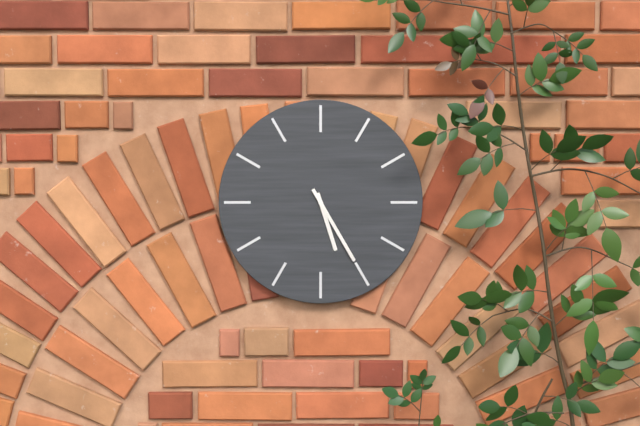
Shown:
5h25
